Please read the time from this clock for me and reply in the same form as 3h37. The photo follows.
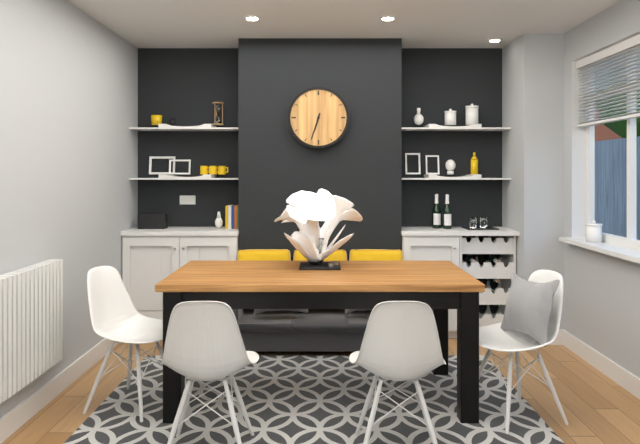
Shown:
6h33
